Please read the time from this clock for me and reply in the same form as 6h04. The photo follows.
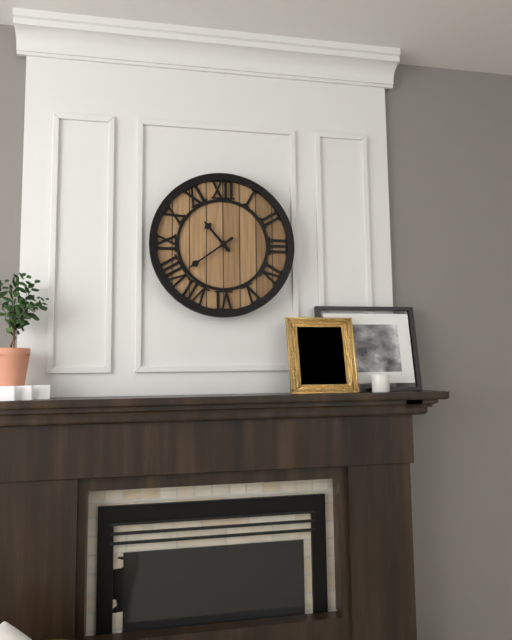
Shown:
10h39
